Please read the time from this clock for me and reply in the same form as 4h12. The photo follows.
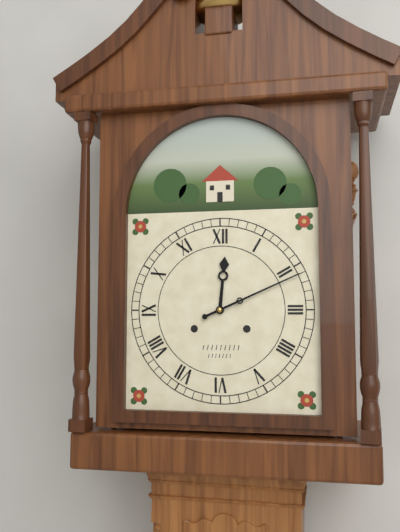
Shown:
12h11
